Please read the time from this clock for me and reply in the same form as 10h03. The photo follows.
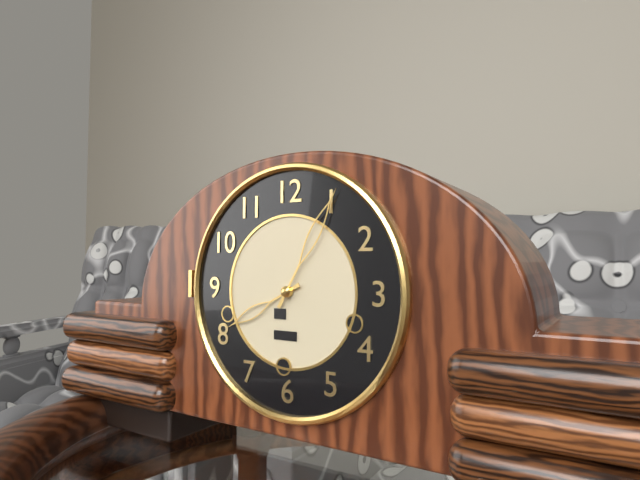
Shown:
8h05
